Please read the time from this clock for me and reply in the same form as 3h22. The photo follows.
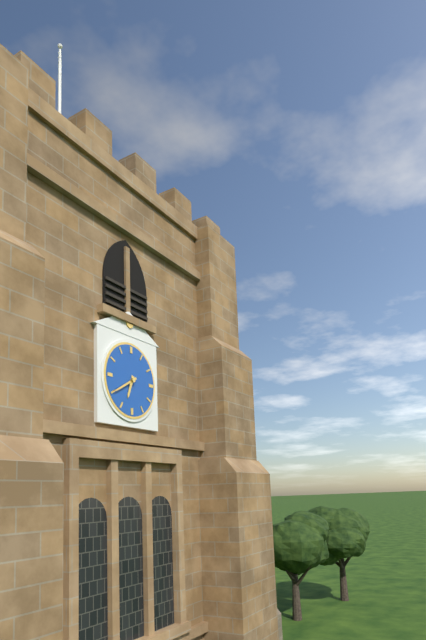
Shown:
6h40
